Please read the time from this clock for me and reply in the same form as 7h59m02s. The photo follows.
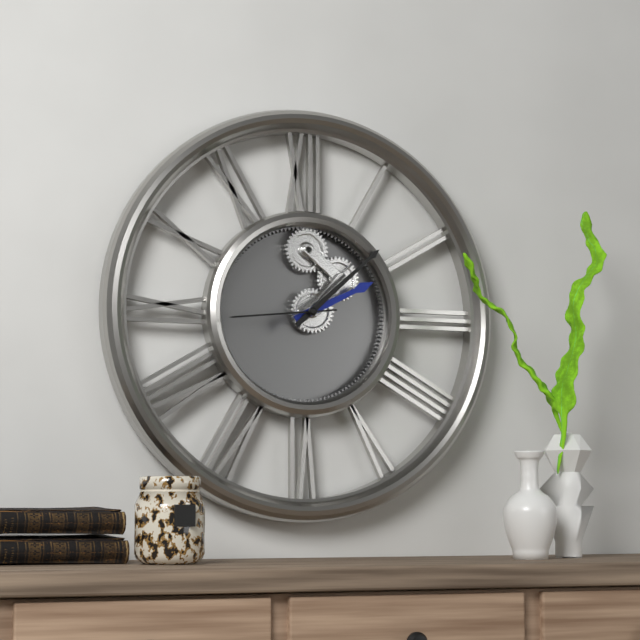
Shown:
2h08m44s
